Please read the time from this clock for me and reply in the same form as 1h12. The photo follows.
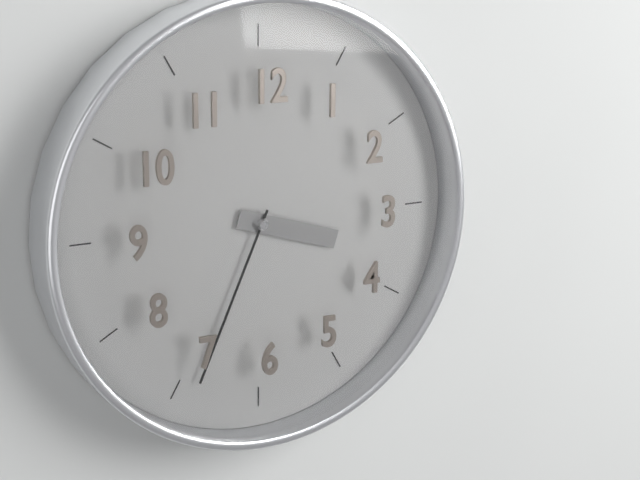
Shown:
3h34
